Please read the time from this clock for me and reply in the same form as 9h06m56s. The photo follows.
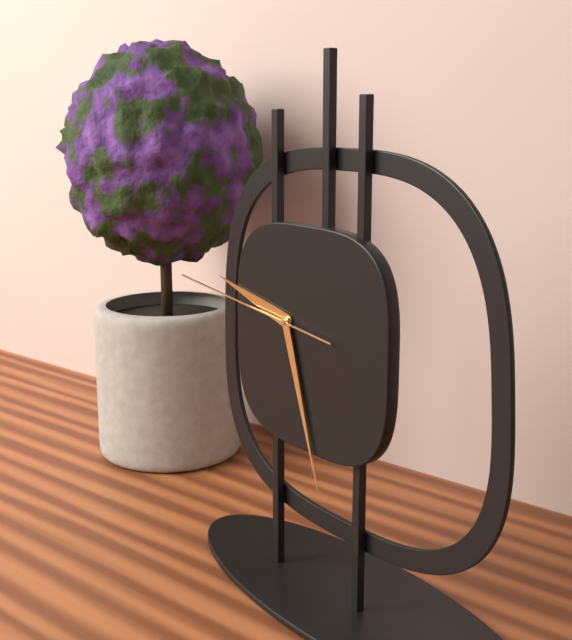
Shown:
9h27m46s
